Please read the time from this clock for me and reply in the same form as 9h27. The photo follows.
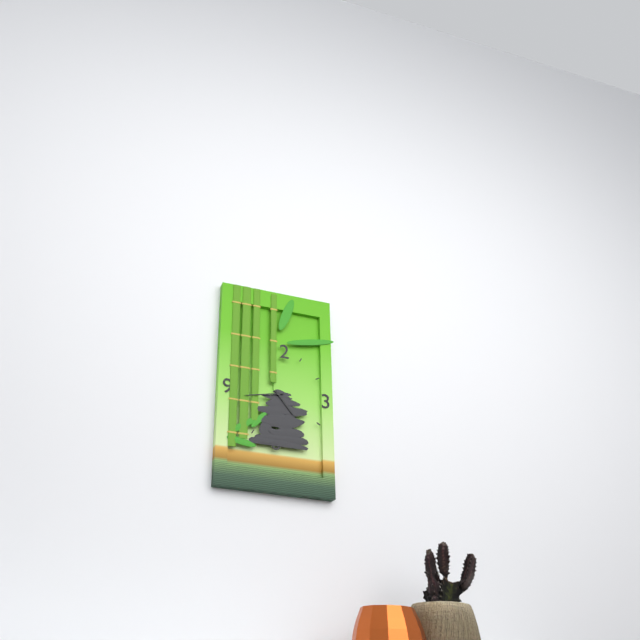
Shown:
4h43
